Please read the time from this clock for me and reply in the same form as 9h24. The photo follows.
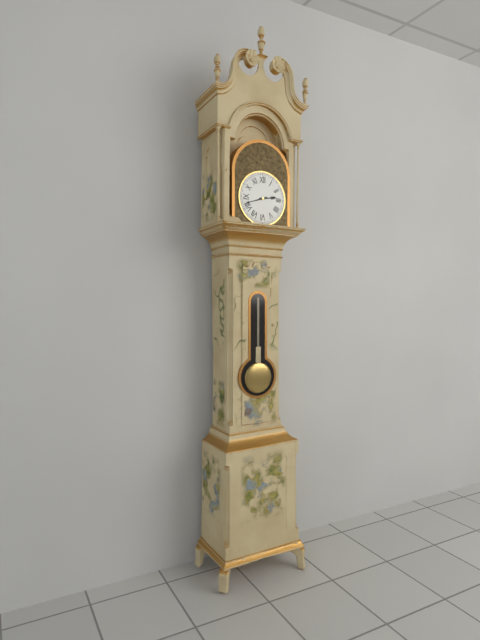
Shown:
2h42
